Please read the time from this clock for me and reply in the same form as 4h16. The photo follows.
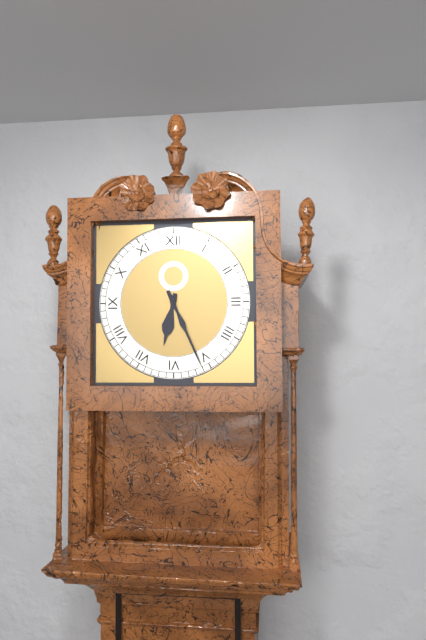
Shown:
6h26
